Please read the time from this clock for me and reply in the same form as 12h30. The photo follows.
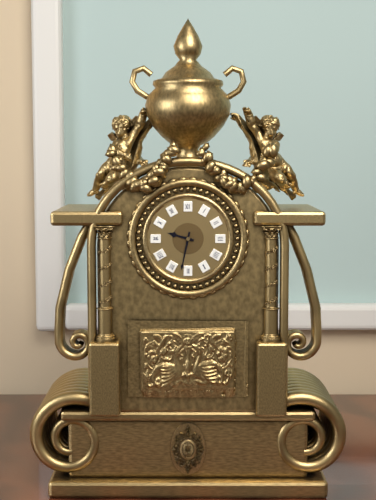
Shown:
9h32
